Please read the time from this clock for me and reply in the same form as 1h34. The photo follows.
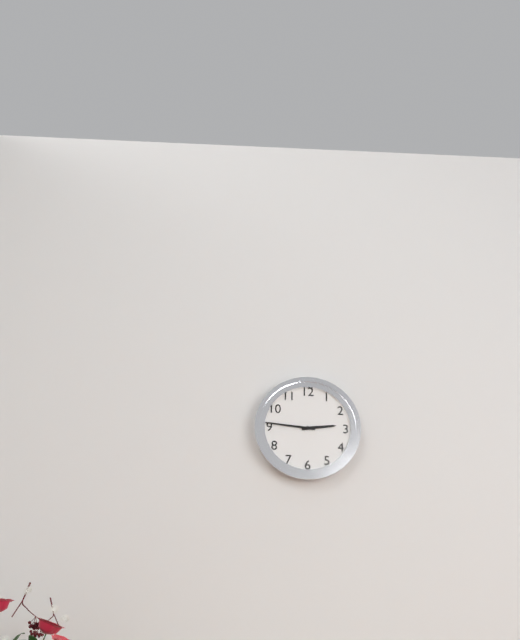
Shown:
2h46
